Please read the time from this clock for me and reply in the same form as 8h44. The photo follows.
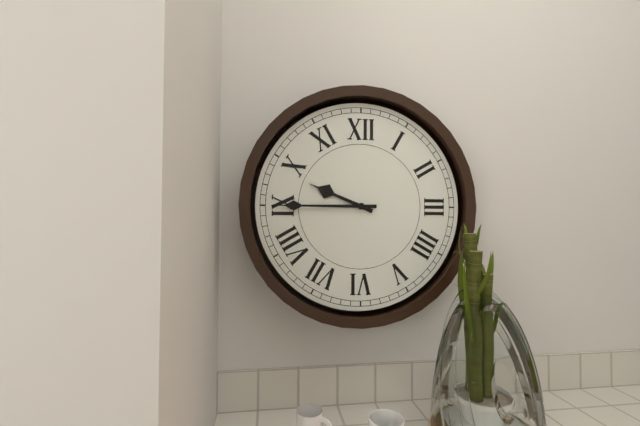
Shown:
9h45
